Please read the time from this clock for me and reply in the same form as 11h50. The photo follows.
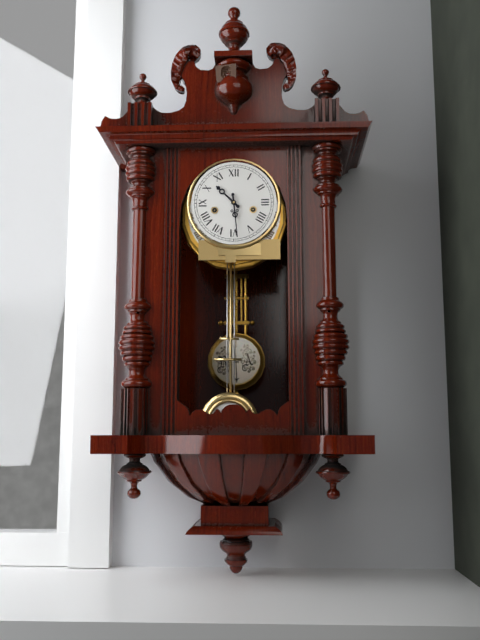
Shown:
10h29
